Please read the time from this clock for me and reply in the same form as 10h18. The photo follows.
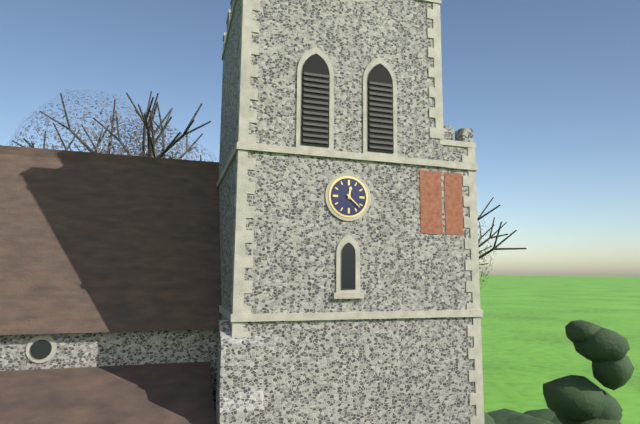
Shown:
12h22
